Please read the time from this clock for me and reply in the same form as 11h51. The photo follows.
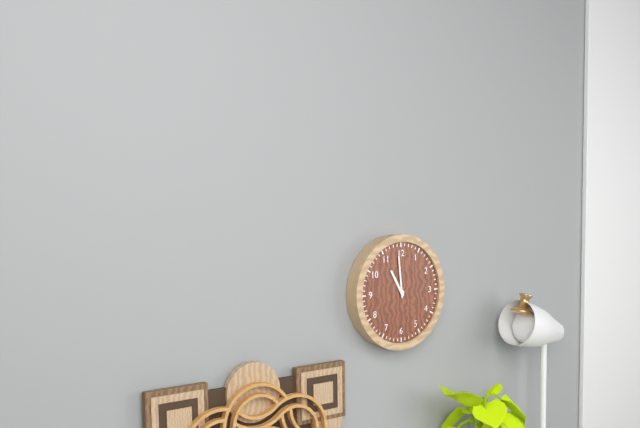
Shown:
10h59
